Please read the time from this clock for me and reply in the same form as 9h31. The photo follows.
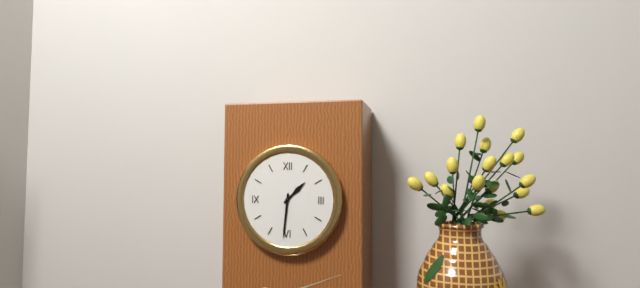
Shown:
1h31
